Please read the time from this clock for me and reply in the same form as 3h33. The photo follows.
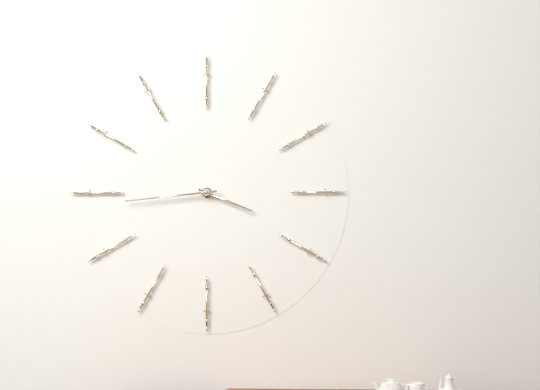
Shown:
3h44
